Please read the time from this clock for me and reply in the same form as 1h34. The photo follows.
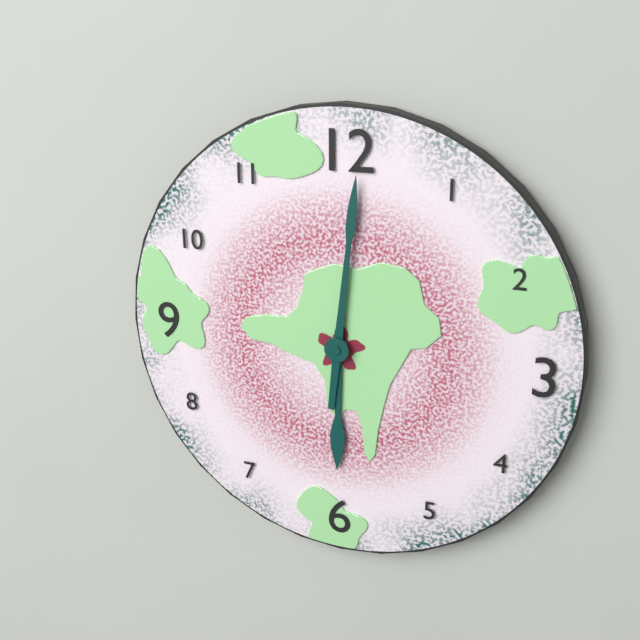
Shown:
6h01
